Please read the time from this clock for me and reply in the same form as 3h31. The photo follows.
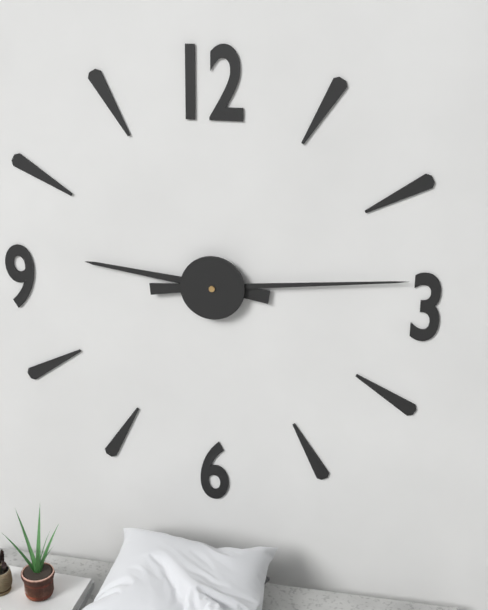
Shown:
9h14
